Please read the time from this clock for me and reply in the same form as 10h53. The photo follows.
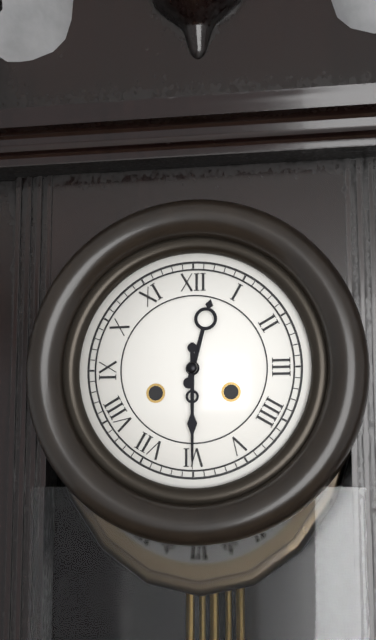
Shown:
12h30
